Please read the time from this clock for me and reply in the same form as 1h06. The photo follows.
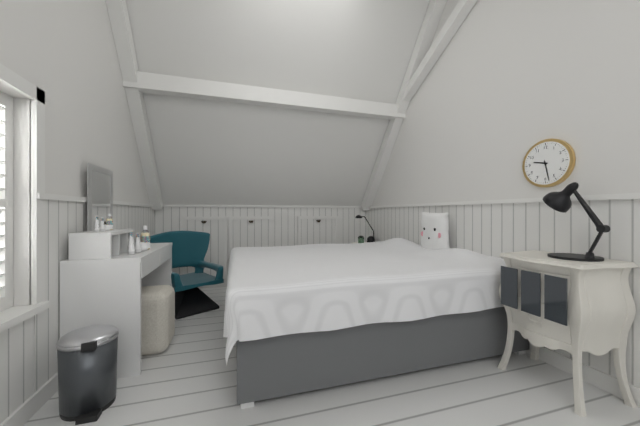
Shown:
9h28
